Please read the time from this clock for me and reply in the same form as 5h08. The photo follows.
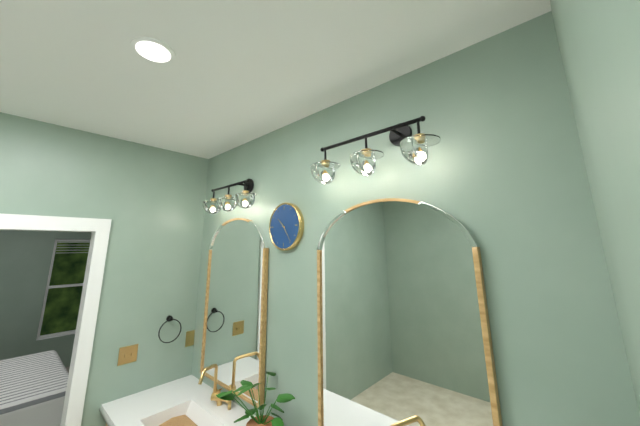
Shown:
10h24
